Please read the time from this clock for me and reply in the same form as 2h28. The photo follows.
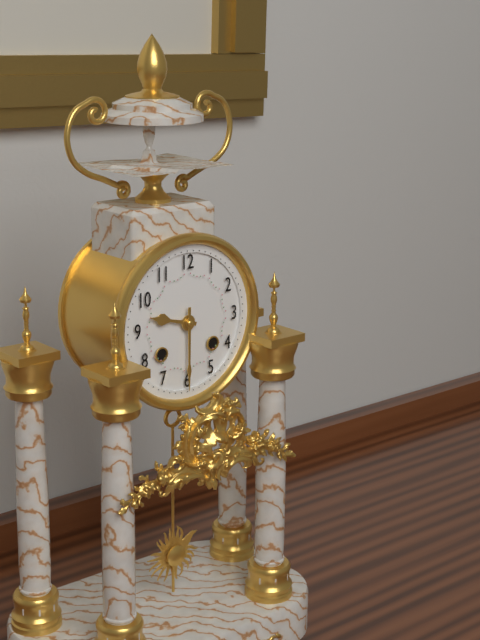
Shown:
9h30
